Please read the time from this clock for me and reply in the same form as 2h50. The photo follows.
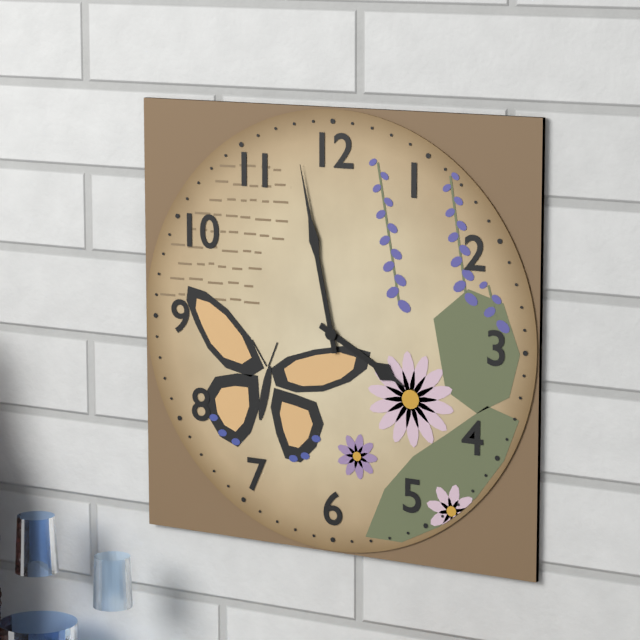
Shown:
3h58
